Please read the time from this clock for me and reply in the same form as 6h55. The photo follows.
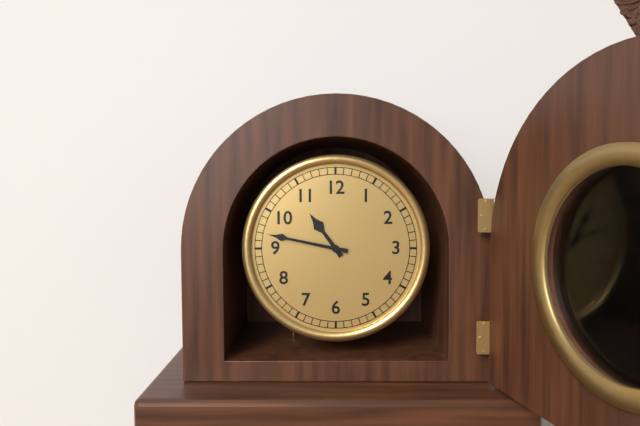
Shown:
10h47
